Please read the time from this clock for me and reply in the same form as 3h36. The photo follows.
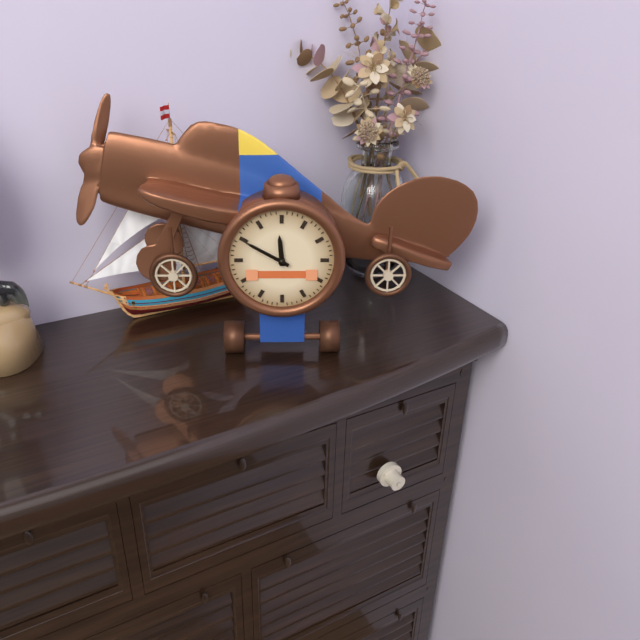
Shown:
11h50
